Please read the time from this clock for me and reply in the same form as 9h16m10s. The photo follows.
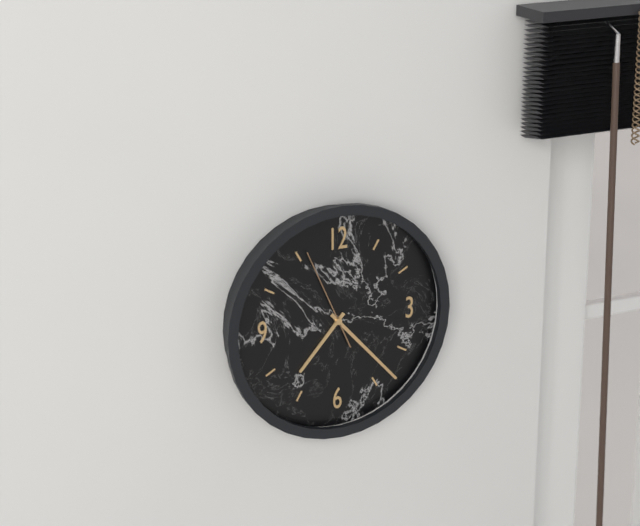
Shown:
7h23m56s
